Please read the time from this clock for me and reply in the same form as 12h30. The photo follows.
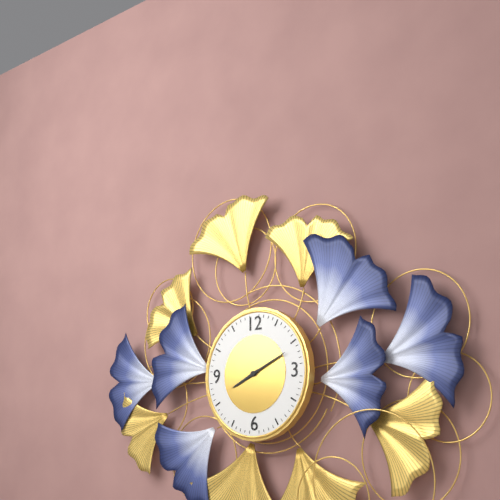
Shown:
8h11
